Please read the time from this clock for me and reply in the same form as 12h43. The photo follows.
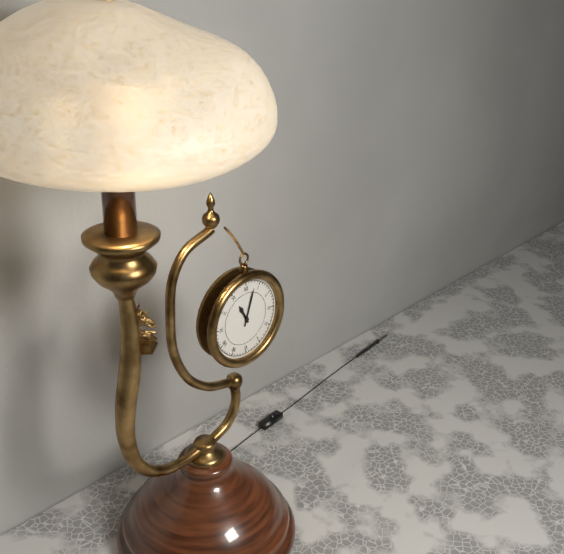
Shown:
11h03
